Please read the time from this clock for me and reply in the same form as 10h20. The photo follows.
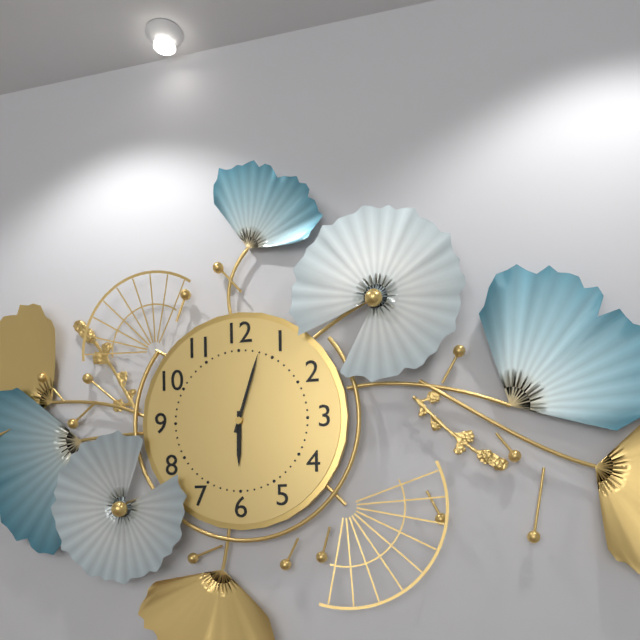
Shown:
6h03
